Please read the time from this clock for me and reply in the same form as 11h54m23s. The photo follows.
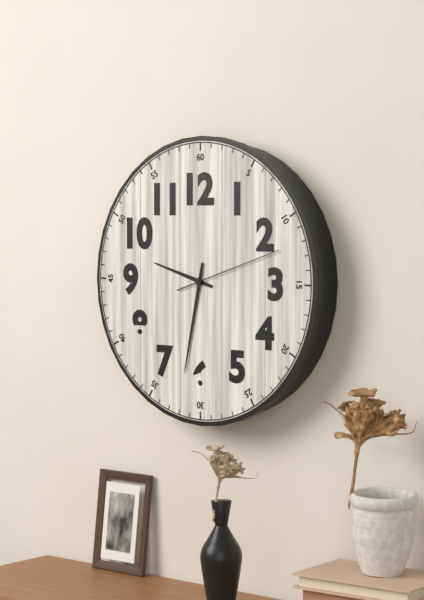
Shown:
9h32m12s
